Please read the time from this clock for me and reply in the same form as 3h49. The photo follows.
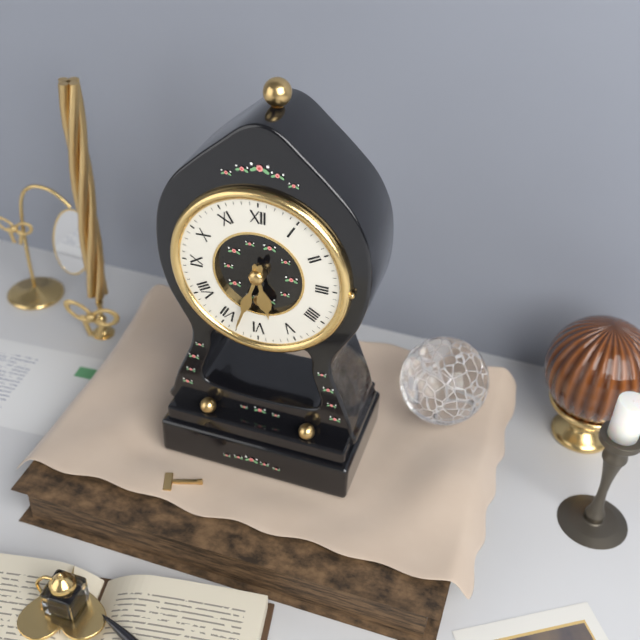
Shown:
5h33
